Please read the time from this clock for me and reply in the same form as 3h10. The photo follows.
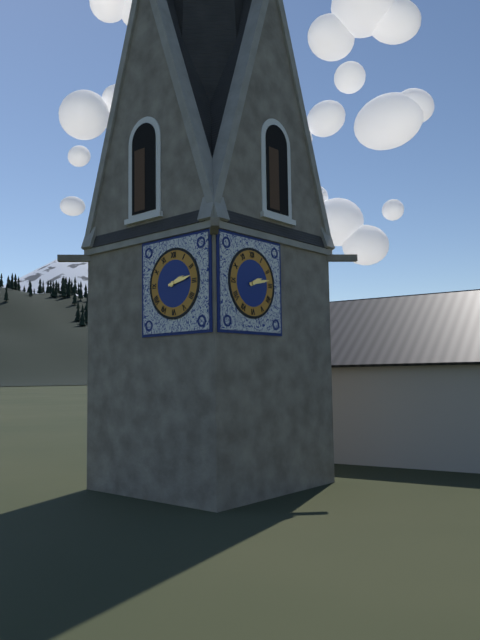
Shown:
2h13
